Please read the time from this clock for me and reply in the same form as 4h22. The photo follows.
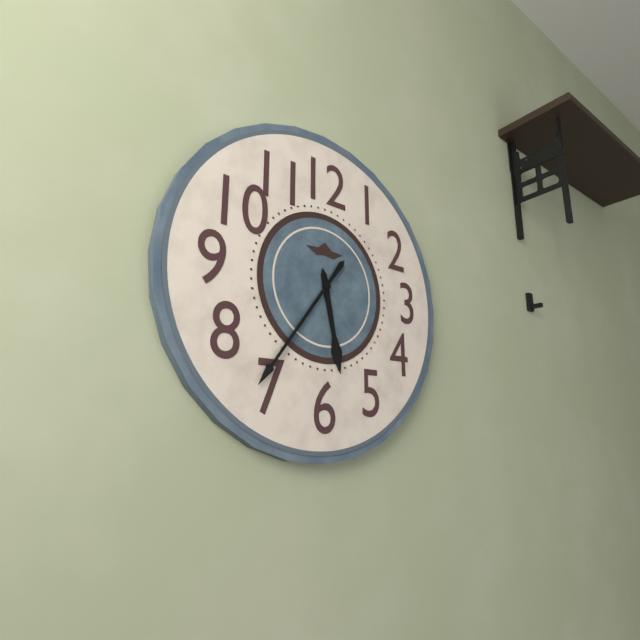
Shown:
5h36
